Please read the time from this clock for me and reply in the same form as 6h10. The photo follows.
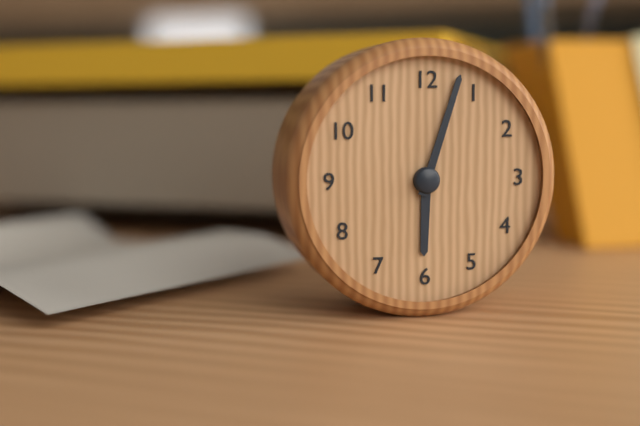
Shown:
6h03
